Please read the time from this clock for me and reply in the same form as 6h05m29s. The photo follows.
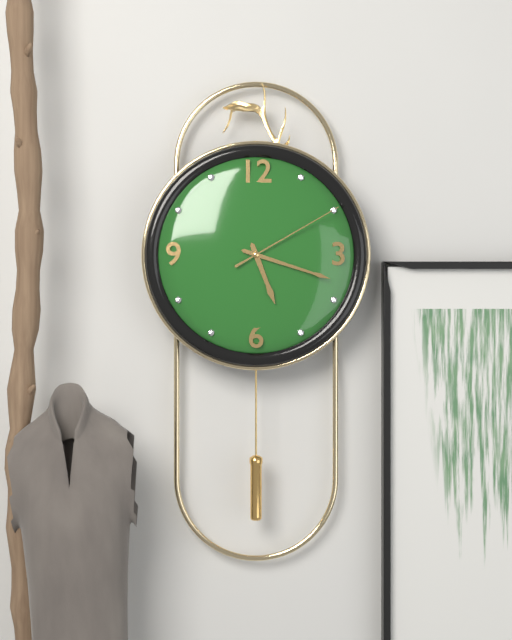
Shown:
5h18m10s
